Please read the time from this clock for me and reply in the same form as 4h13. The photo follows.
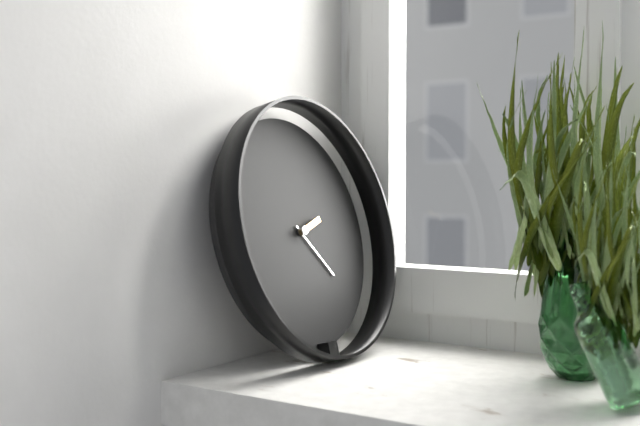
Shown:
2h23
